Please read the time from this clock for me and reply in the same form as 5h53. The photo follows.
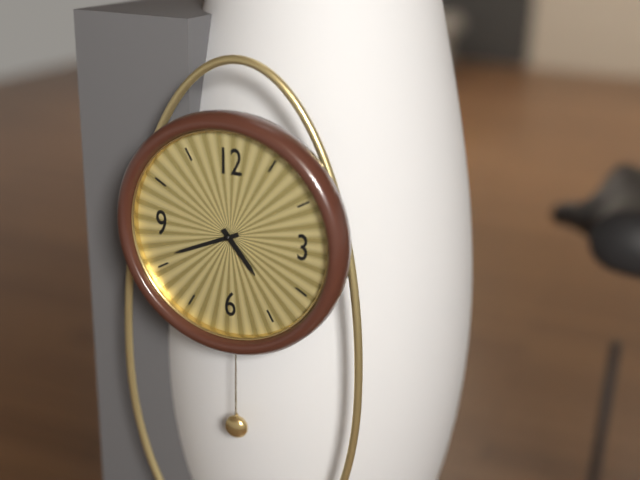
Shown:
4h41
